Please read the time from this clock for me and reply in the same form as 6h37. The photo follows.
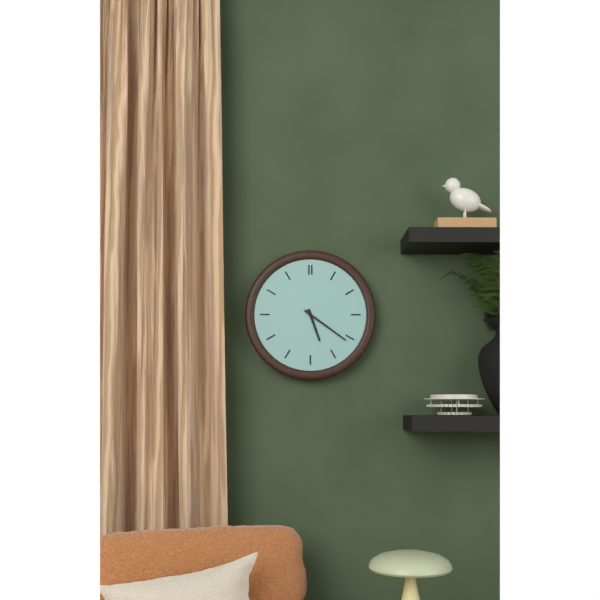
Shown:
5h21
